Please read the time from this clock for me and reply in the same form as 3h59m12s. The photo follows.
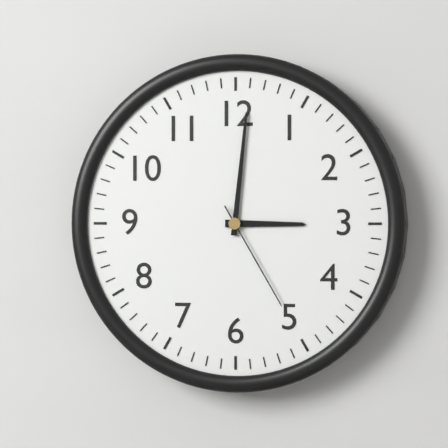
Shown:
3h01m25s
